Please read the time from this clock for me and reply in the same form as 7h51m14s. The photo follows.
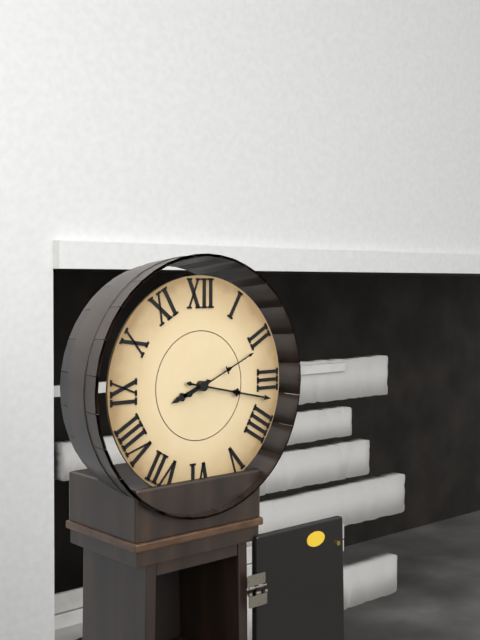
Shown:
8h17m11s
